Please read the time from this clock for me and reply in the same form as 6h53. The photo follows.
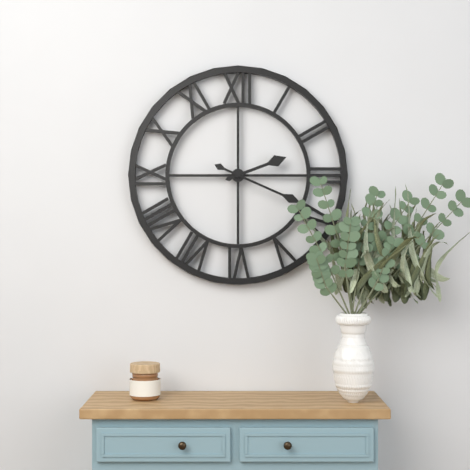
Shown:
2h19
